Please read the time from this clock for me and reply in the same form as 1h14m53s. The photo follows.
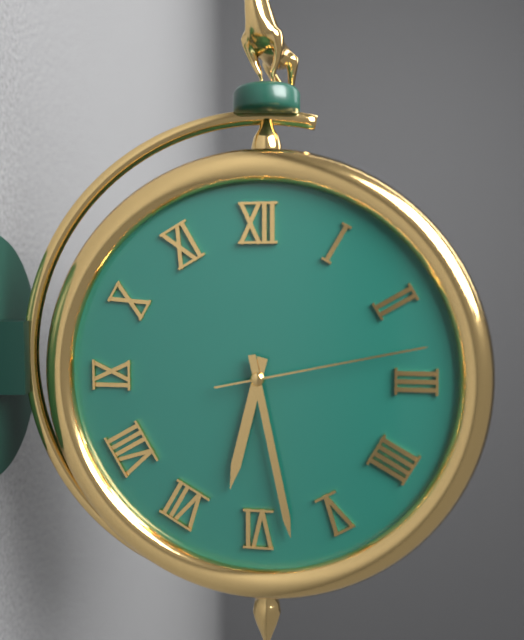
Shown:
6h28m13s
